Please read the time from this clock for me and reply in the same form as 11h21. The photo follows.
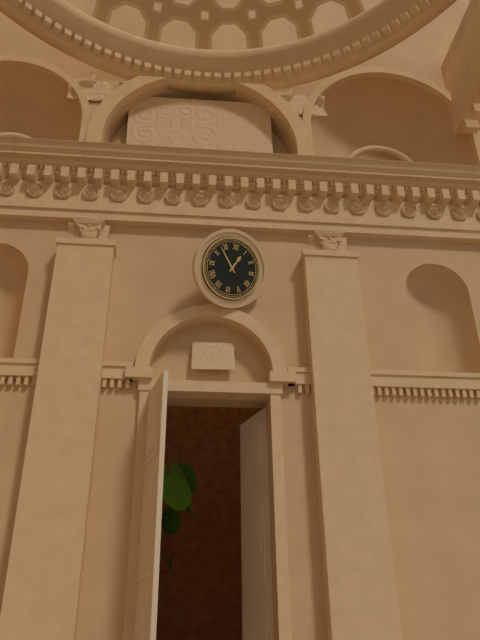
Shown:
12h53
